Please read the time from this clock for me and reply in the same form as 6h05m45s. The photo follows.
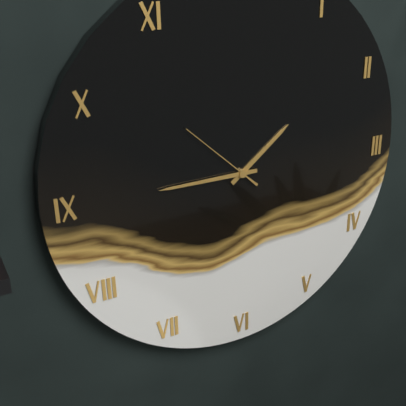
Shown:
1h45m52s
